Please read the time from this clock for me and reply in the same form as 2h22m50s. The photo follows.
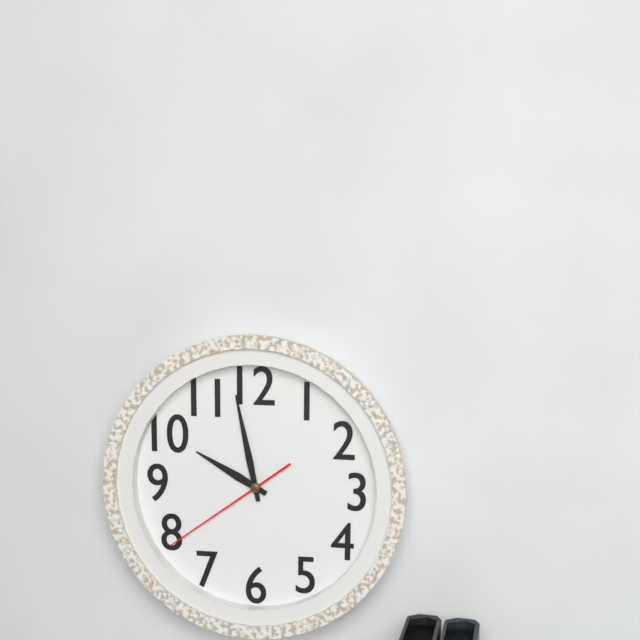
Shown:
9h58m39s
